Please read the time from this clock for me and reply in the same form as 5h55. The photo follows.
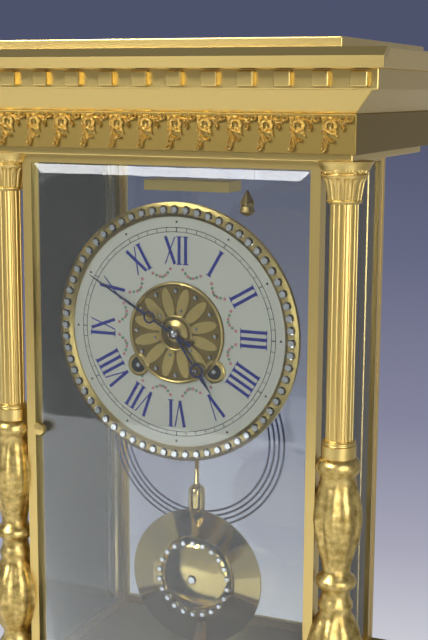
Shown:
4h50
